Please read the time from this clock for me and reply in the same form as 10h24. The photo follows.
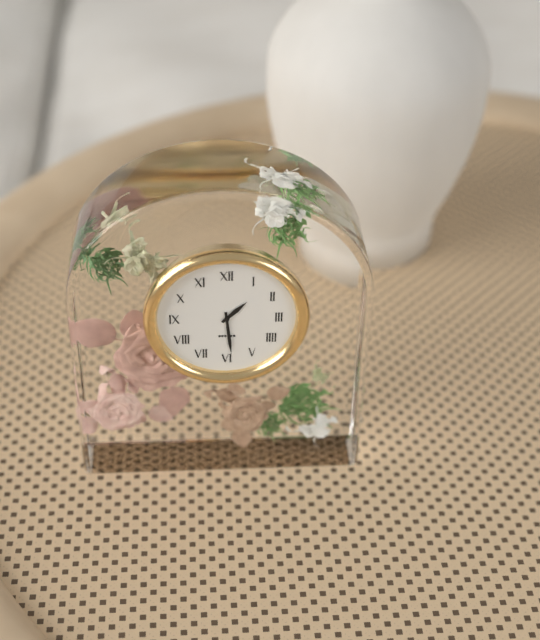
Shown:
1h29
